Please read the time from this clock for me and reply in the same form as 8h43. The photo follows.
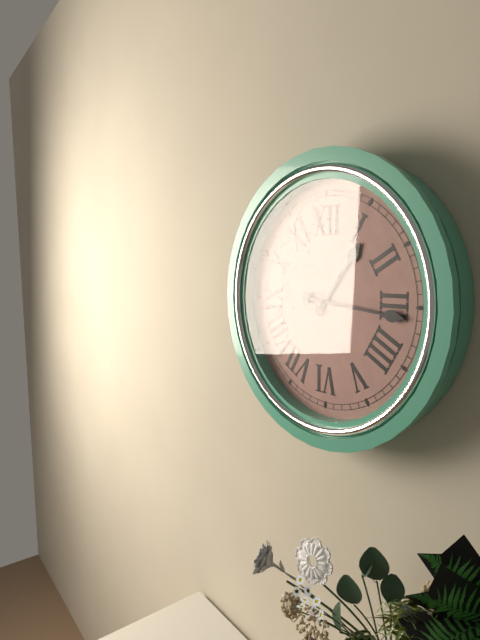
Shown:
1h16
